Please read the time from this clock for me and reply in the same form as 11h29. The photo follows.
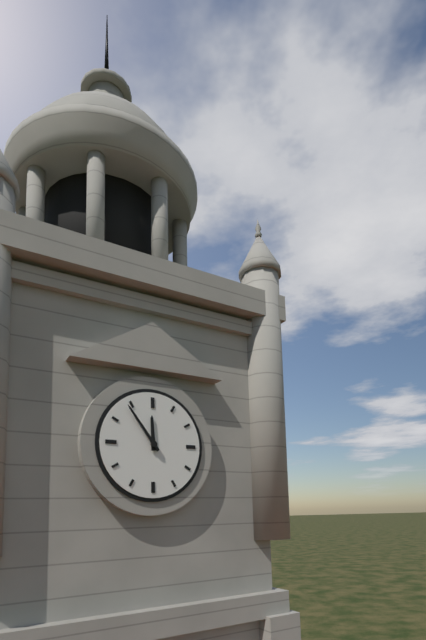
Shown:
11h54
